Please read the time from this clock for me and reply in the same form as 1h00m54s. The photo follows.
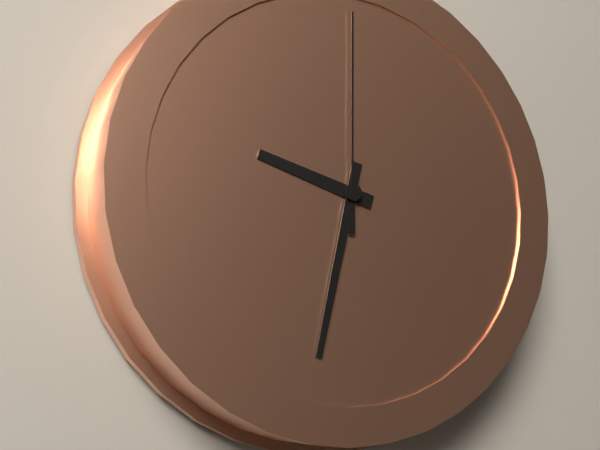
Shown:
9h32m00s
